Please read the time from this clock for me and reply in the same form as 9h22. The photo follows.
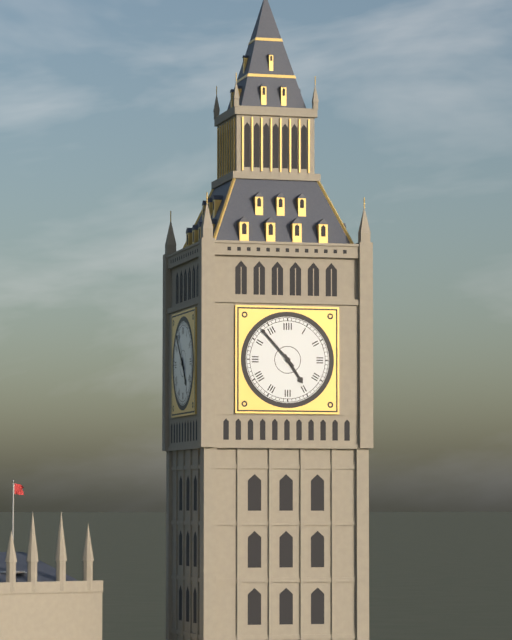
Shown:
4h53
